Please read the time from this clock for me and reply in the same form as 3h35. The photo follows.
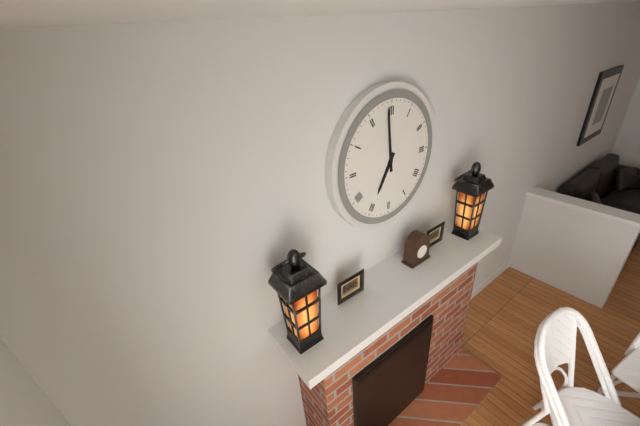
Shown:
6h59
